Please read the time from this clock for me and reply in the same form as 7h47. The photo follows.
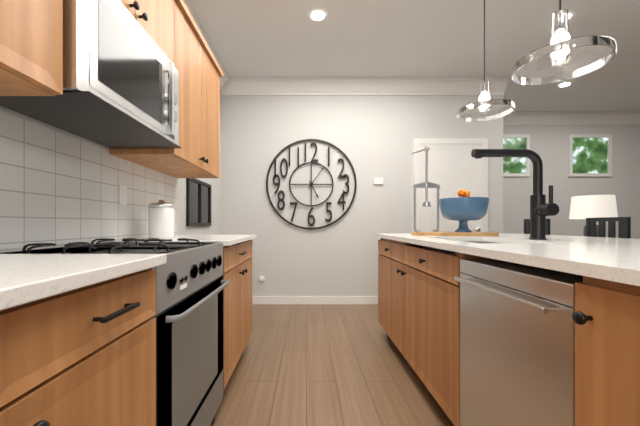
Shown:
5h06
